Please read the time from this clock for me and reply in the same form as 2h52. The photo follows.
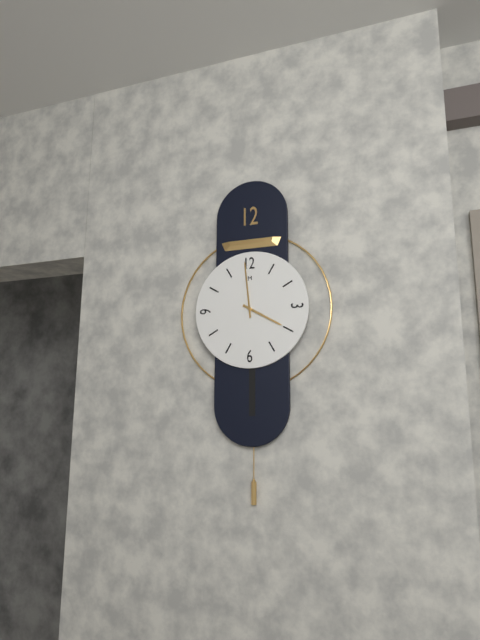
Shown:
3h59
